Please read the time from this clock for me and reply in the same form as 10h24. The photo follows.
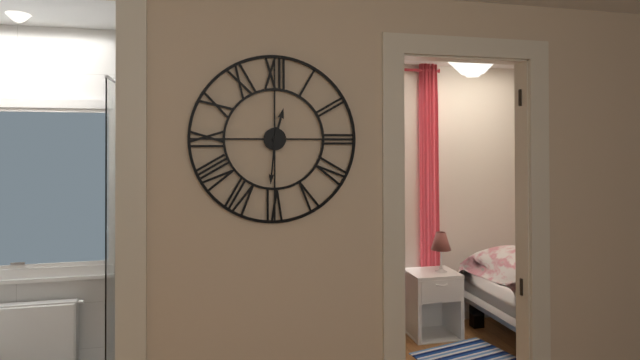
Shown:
12h31
